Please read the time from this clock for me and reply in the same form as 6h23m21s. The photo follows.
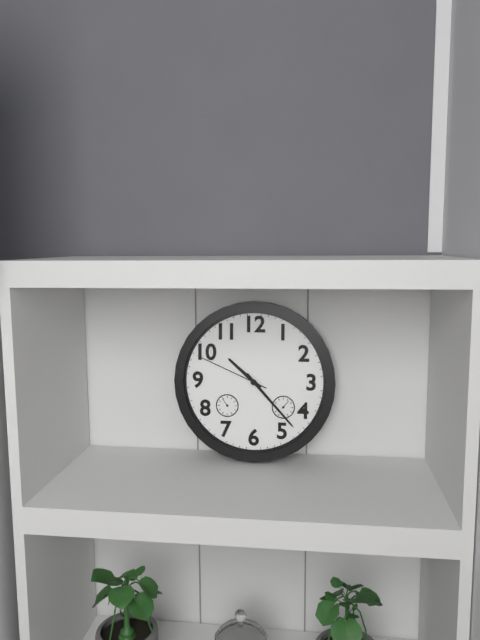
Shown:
10h23m49s
